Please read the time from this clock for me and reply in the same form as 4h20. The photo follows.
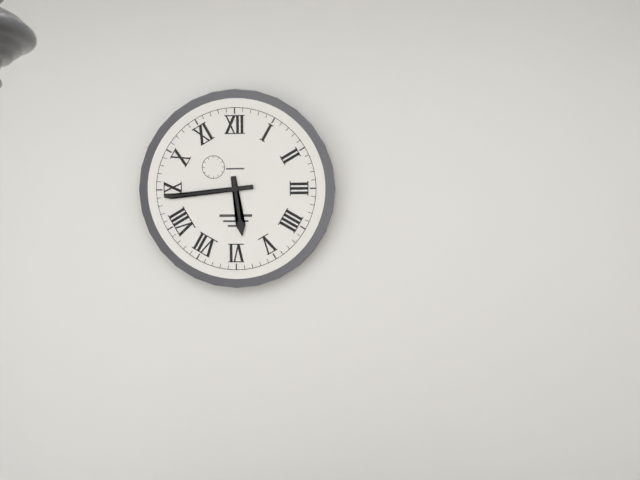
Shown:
5h44
